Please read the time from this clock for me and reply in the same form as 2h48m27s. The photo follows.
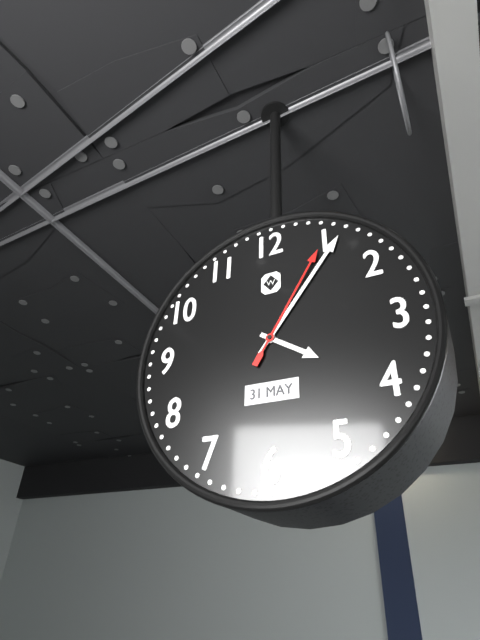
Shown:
4h06m05s
